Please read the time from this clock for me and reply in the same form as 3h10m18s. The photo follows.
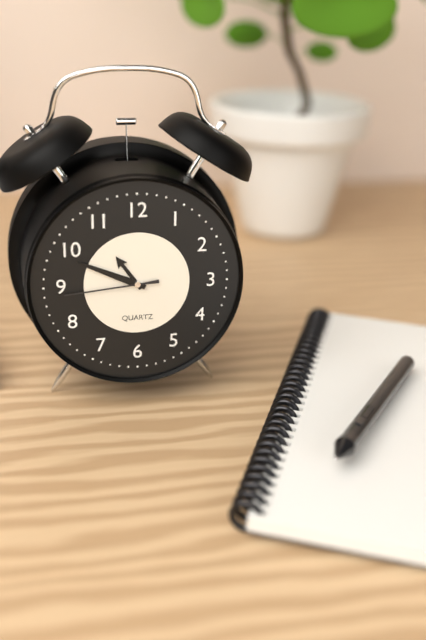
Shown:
10h49m44s
